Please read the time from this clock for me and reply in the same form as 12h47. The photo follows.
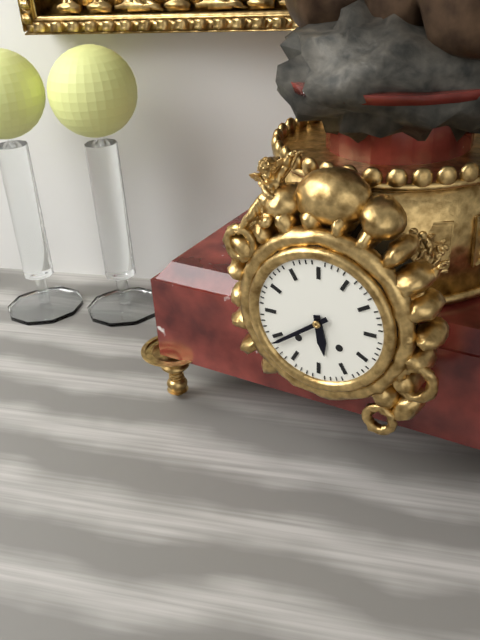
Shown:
5h39
